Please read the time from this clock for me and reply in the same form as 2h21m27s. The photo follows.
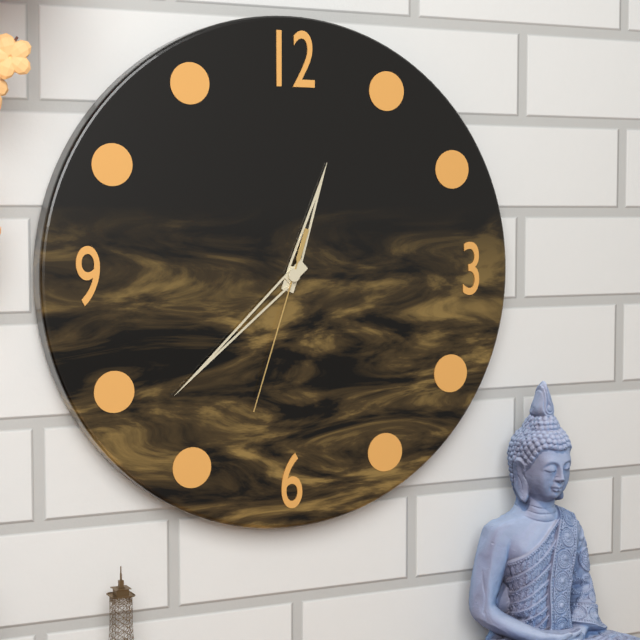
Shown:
12h38m33s
